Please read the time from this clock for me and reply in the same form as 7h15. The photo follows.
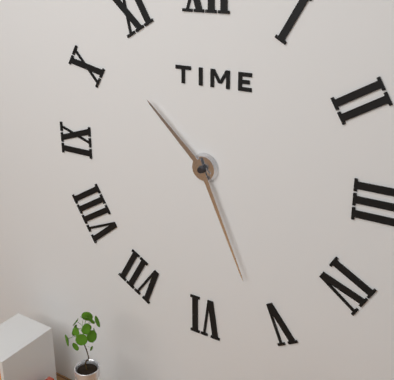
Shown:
10h26
